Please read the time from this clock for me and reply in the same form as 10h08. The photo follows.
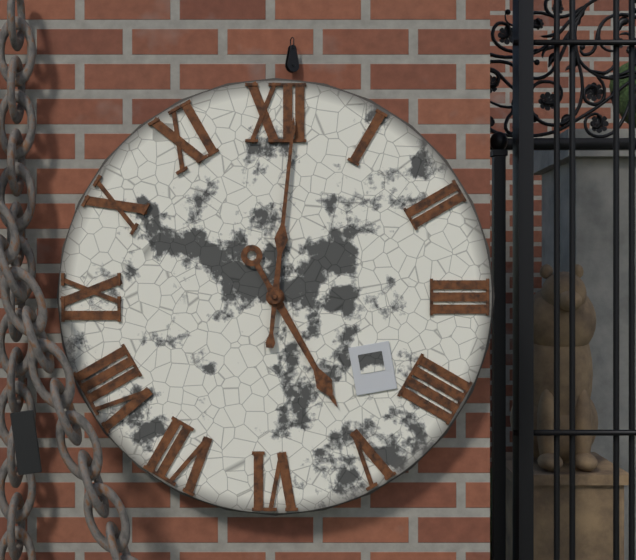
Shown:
5h01
